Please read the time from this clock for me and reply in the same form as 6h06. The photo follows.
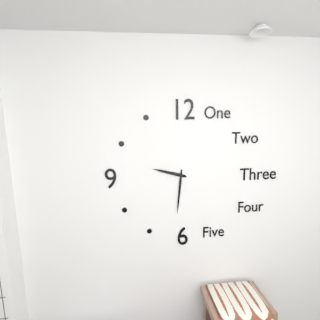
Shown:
9h31
